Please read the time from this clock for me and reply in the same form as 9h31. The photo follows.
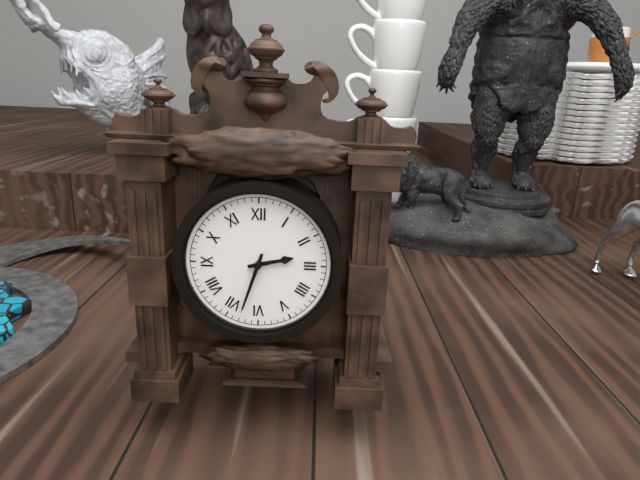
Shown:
2h33
